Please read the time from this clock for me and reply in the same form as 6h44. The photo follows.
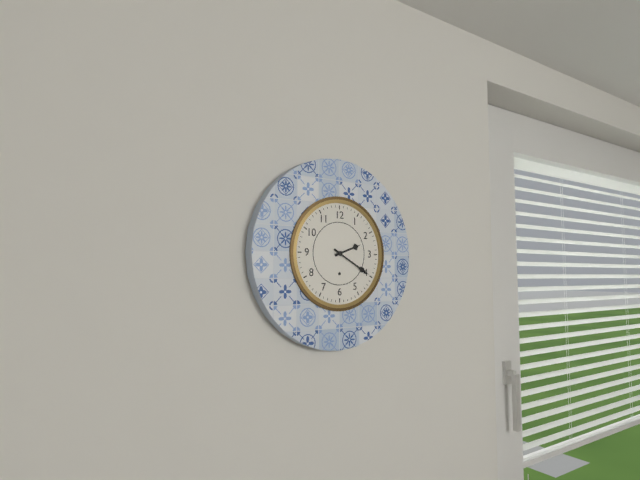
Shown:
2h20
